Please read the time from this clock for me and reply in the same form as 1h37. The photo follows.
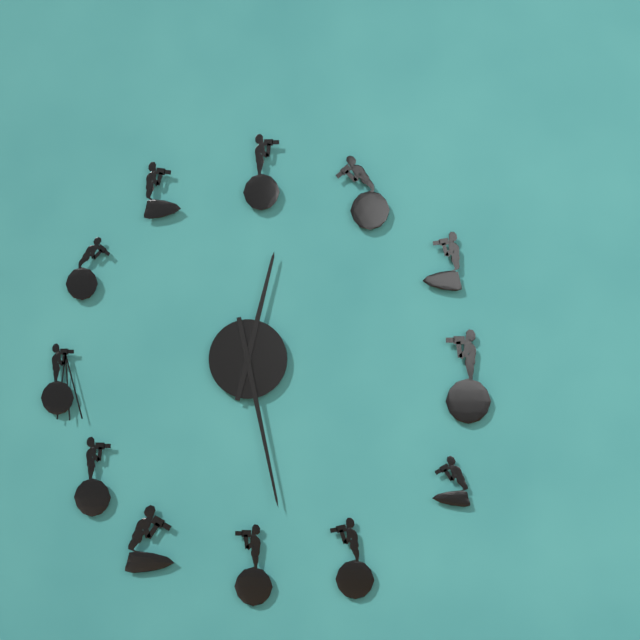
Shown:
12h28
